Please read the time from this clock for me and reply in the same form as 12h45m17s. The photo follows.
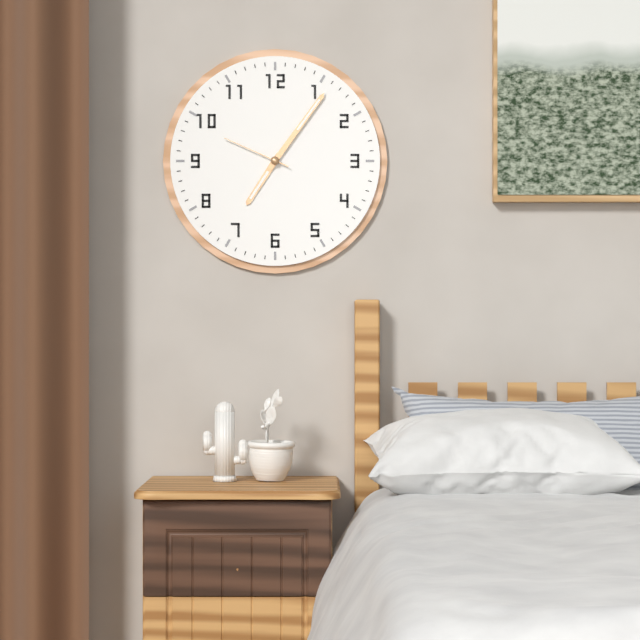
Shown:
7h06m49s
